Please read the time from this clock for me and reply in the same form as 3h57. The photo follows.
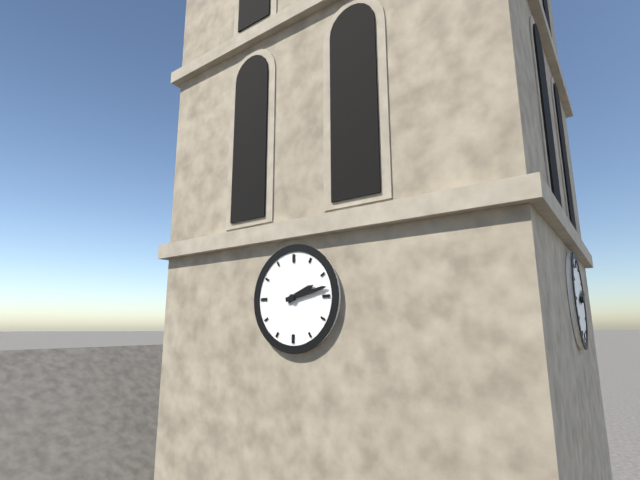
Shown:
2h13
